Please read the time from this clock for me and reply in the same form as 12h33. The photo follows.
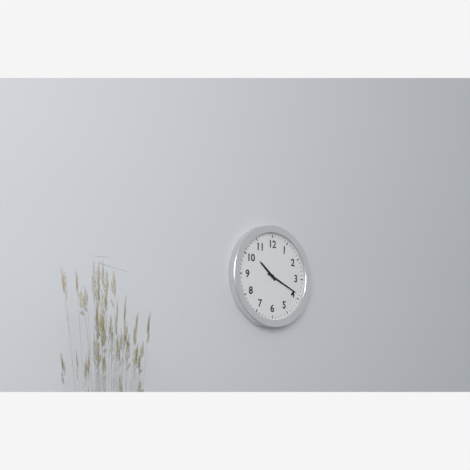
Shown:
10h19
